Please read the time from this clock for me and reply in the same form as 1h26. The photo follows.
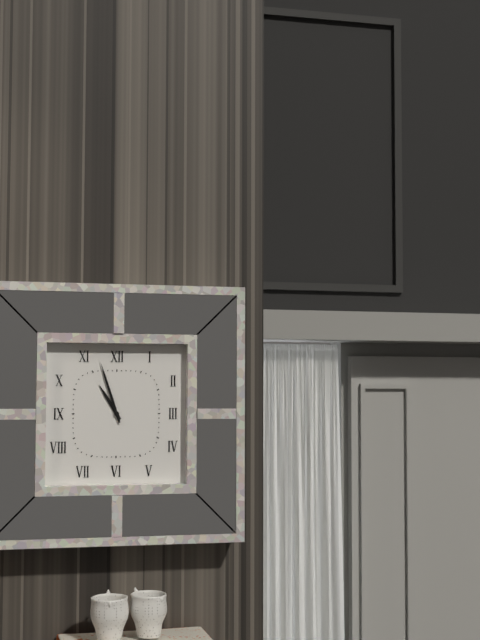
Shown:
10h57
